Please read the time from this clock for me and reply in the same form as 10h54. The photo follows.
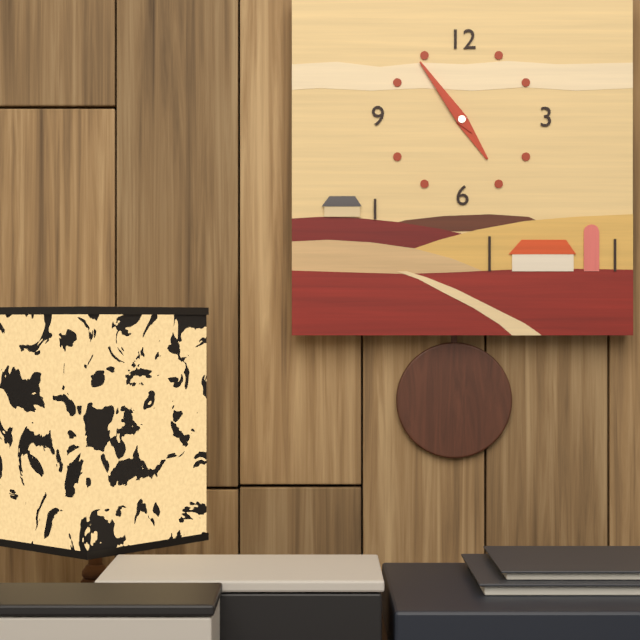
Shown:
4h54
